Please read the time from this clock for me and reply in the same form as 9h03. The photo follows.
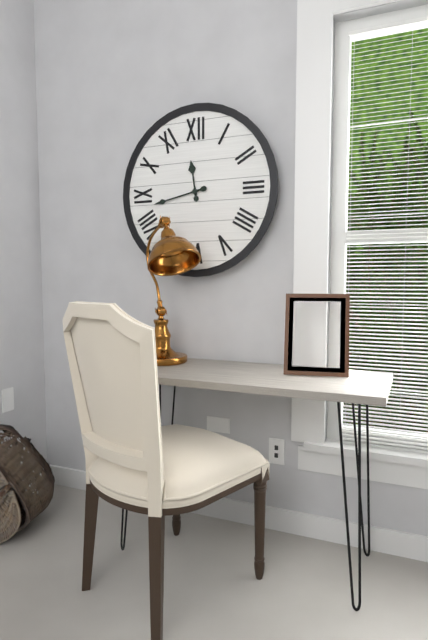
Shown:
11h43
